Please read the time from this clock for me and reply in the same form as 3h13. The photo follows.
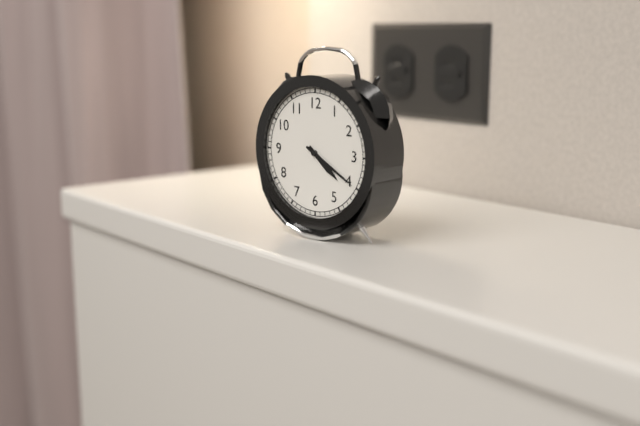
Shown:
4h20
